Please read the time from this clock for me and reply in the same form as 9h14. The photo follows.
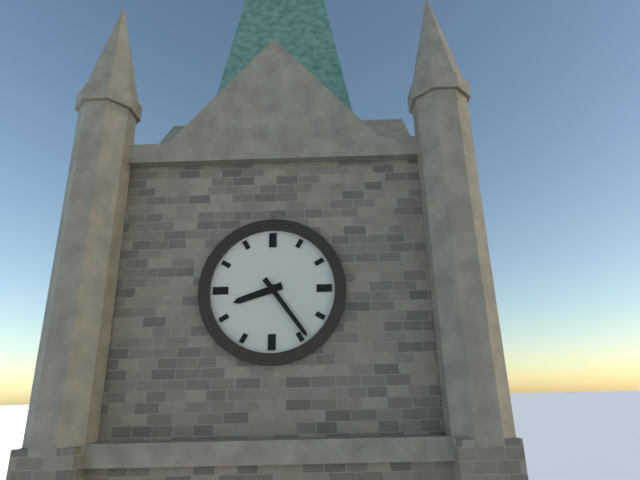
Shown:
8h24
